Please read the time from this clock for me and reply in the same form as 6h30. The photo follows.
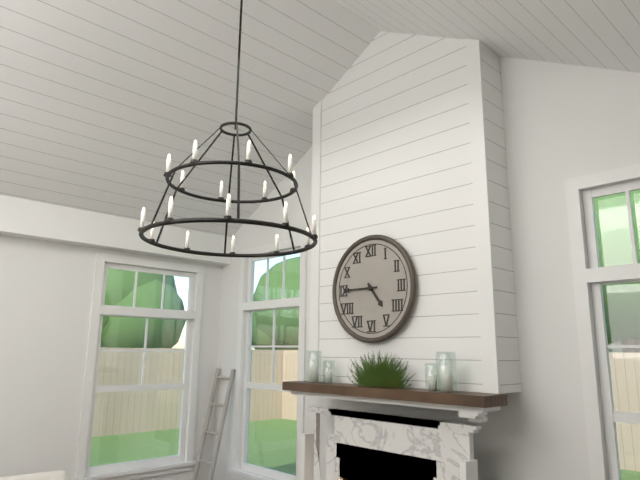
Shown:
4h45
